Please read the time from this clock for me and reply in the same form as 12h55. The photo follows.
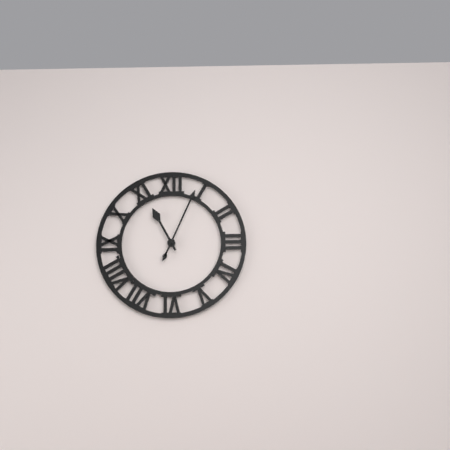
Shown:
11h04
